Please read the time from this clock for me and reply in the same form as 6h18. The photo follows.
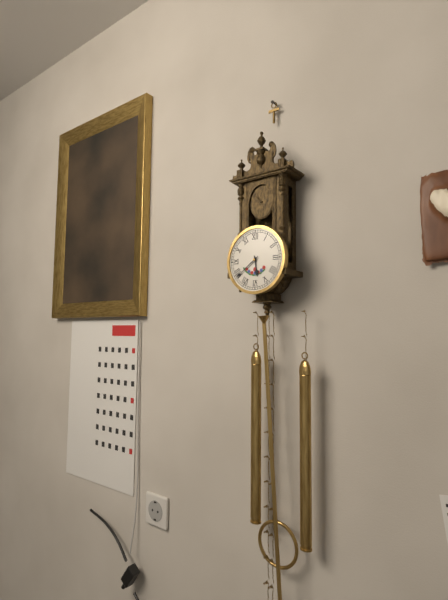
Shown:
5h39
